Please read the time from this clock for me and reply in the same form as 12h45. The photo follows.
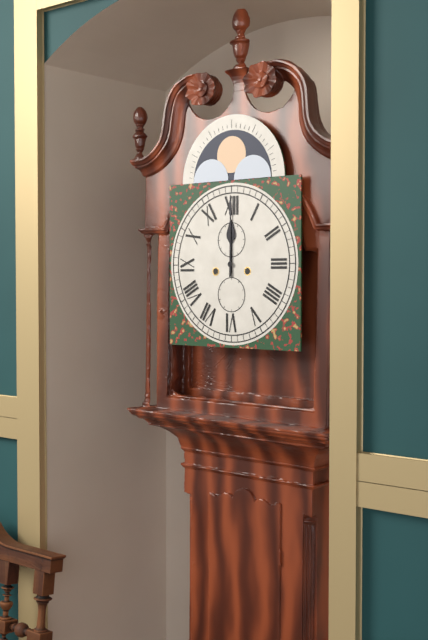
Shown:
12h00
